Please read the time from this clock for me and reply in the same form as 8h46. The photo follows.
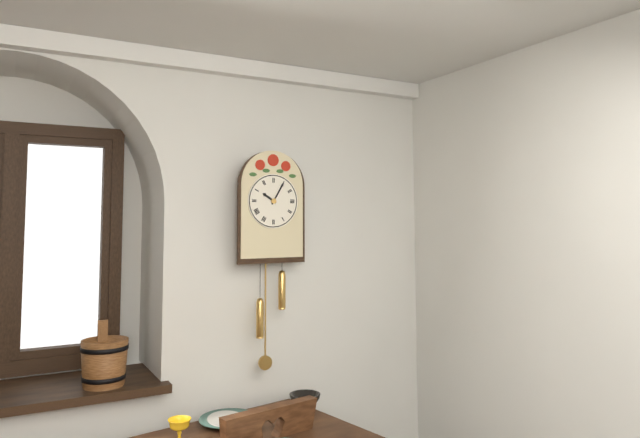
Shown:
10h05
